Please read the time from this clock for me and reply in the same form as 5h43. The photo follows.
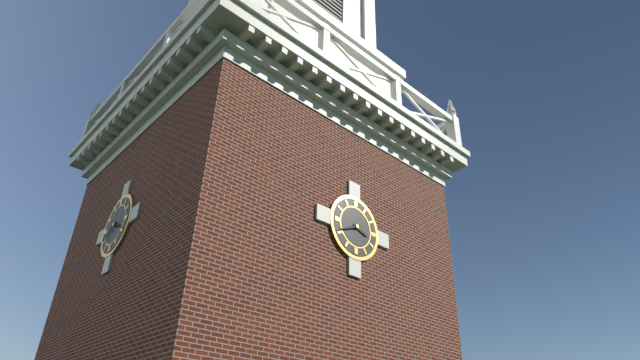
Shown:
3h41
